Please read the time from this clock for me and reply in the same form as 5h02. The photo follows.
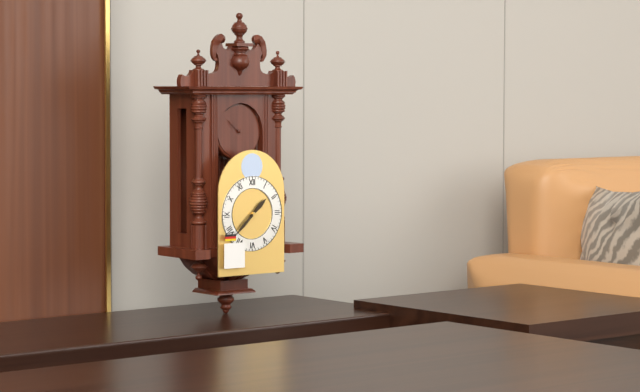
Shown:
1h38
